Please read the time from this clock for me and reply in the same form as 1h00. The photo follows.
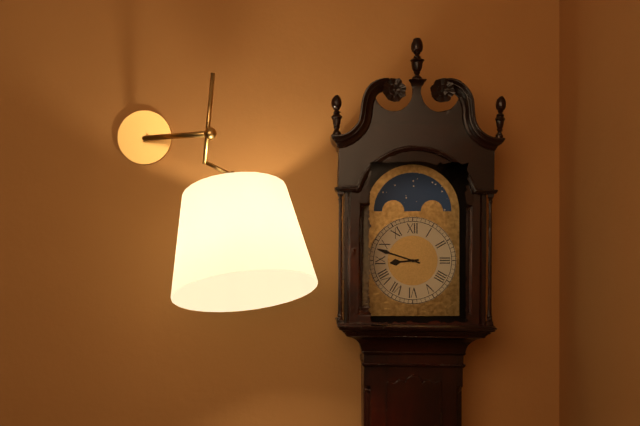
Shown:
8h48
